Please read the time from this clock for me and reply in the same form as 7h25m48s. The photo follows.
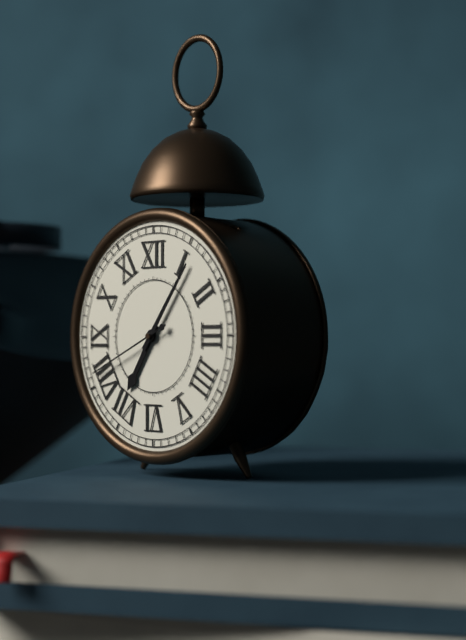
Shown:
7h06m41s
